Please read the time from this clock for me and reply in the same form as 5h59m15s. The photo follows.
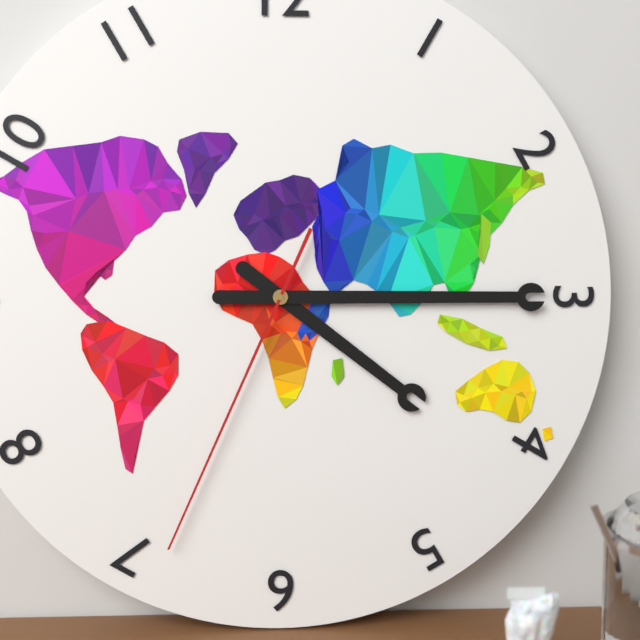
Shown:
4h15m34s
